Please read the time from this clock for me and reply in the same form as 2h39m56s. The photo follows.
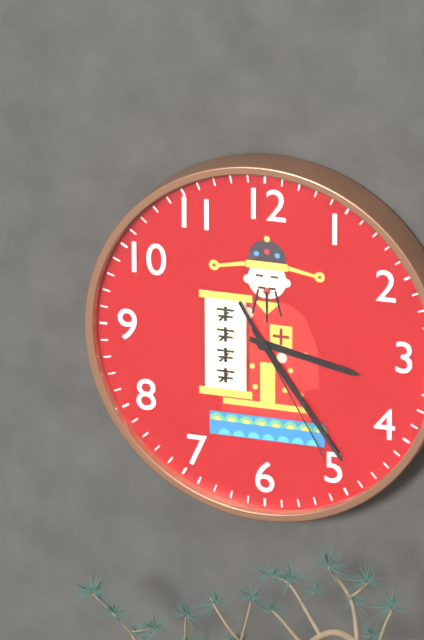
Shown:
3h24m25s
